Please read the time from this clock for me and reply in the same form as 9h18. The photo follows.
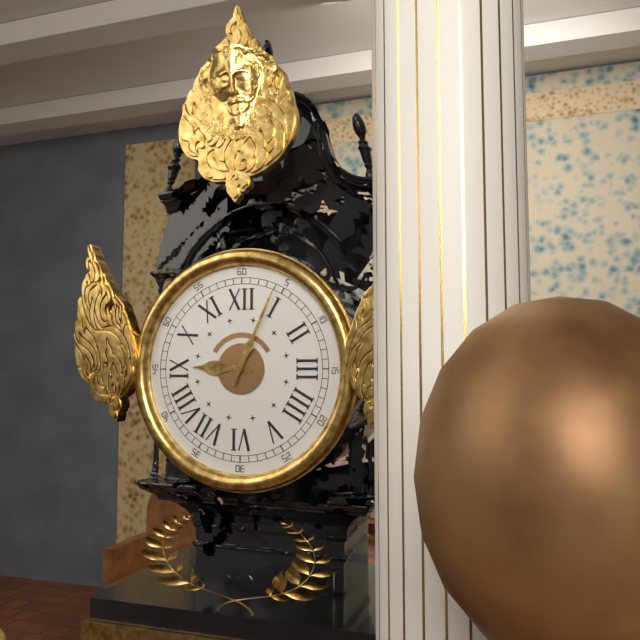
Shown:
9h04
